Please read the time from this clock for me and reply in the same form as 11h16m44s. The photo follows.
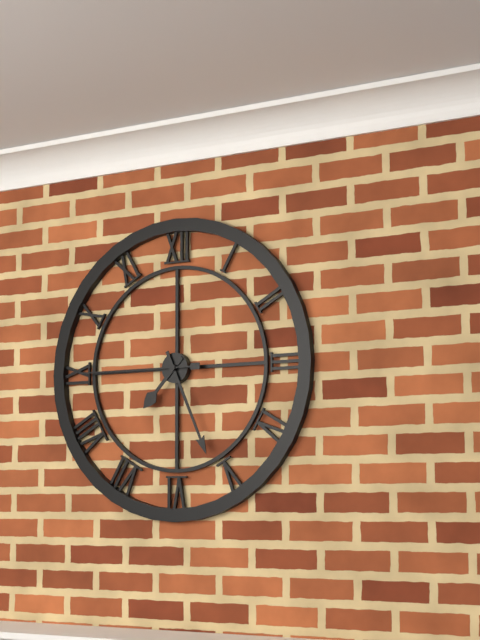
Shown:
7h26m45s
